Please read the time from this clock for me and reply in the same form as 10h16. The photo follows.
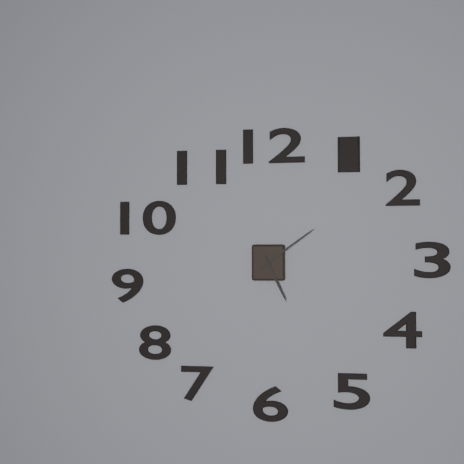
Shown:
5h09
